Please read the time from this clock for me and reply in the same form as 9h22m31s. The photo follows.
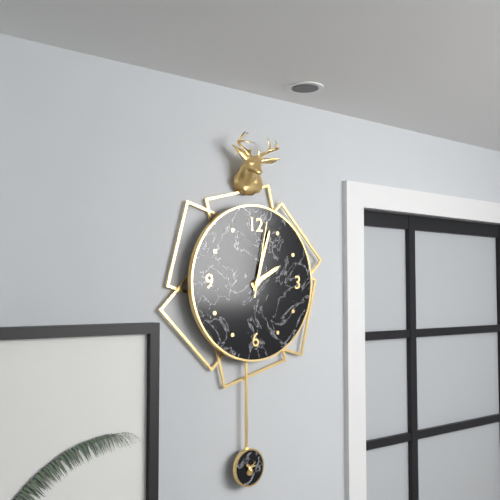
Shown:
2h03m02s
